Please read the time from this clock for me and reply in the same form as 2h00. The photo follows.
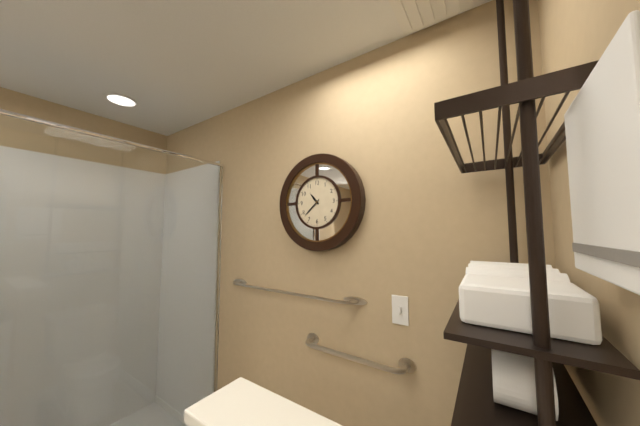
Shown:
10h38
